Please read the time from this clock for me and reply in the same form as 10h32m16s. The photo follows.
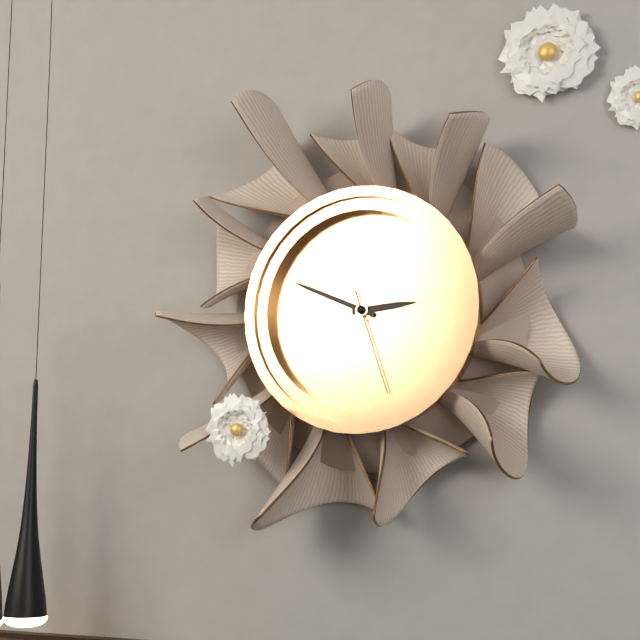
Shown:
2h49m27s
